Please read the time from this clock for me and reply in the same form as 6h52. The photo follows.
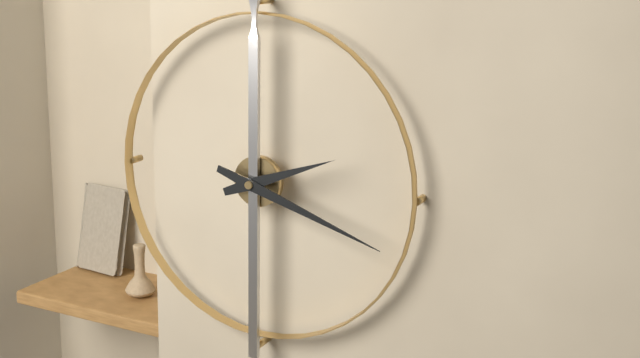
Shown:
2h18
